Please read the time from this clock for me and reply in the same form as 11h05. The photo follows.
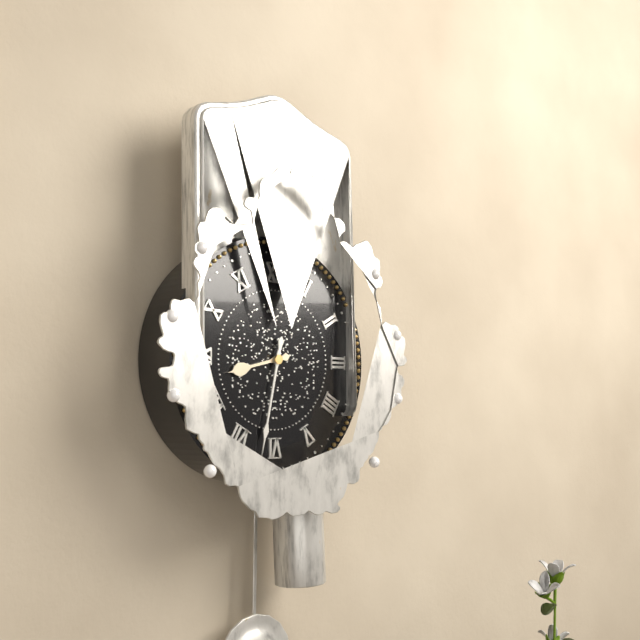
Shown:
8h32
